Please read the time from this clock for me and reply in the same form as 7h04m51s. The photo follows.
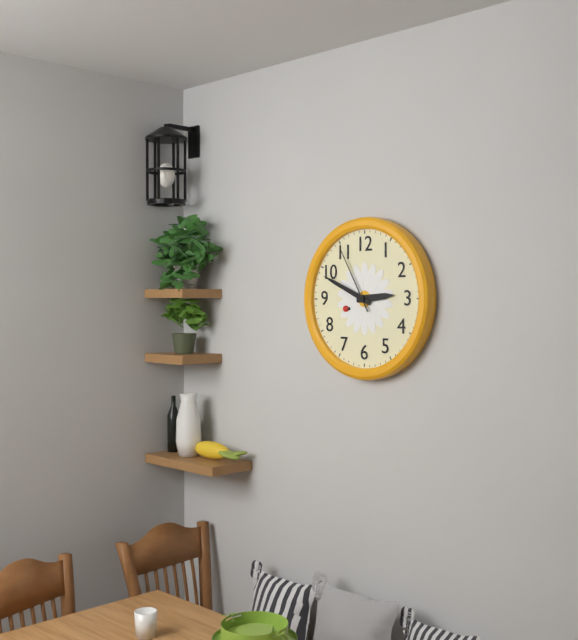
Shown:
2h49m55s
